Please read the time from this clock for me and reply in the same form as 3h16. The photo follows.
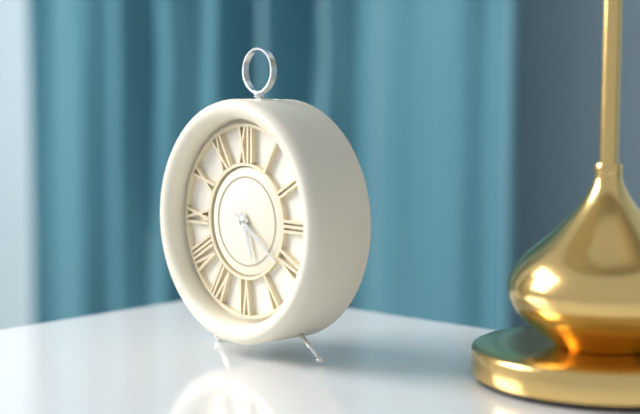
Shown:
5h21
